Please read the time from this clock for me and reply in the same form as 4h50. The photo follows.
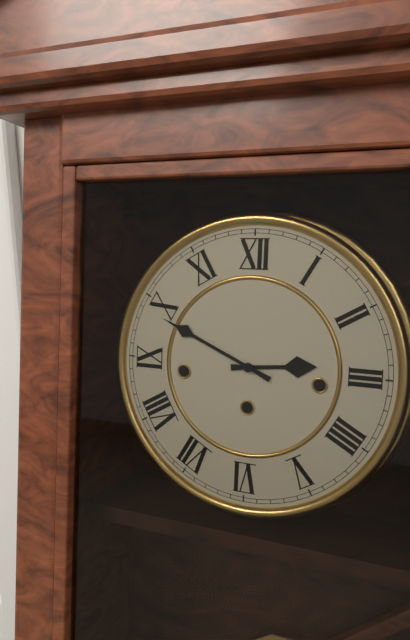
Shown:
2h49
